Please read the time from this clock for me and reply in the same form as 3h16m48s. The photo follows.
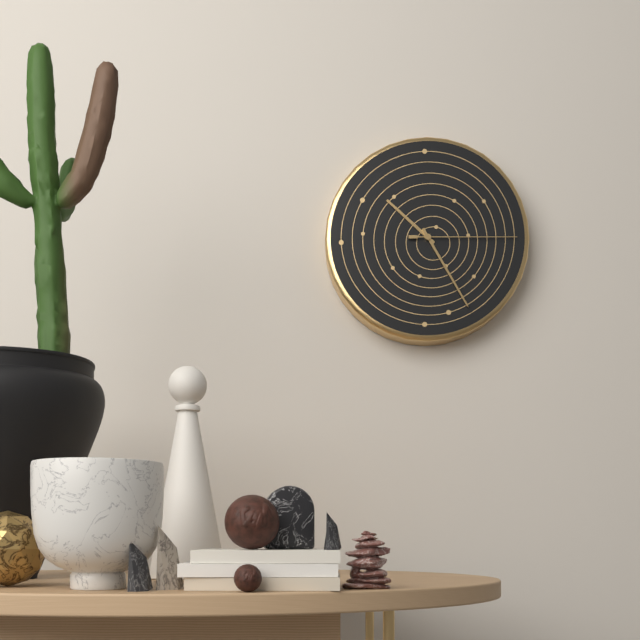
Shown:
10h25m15s
